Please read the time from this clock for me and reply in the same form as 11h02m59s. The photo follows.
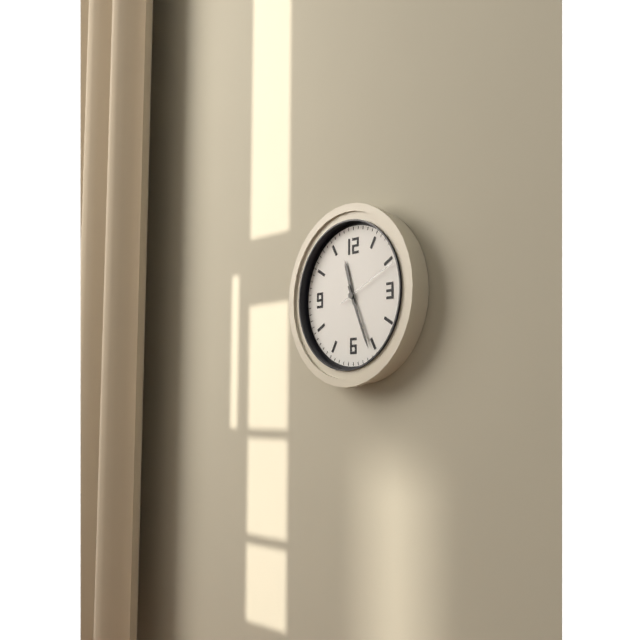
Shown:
11h26m11s
